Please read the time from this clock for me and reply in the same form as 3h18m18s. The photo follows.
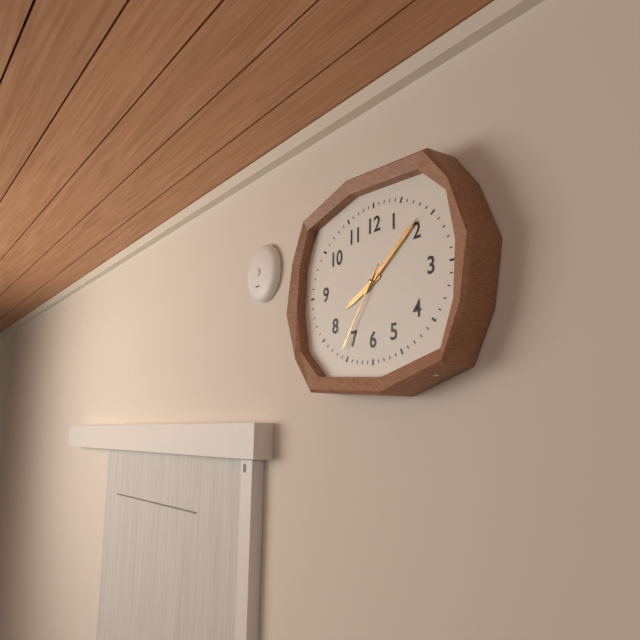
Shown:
8h09m36s
